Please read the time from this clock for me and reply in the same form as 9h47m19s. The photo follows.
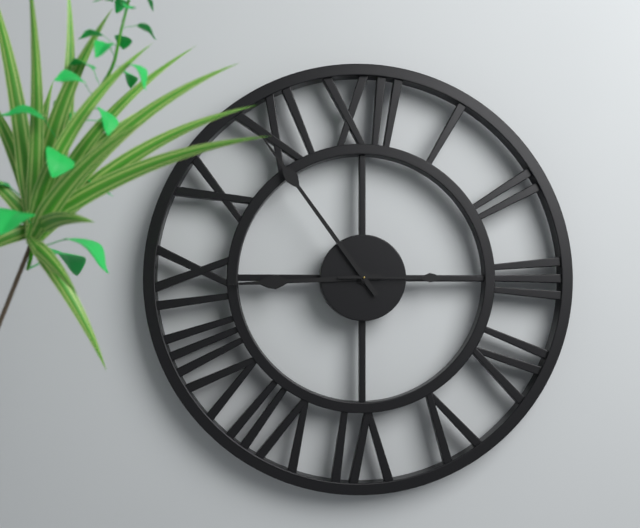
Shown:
8h54m15s
